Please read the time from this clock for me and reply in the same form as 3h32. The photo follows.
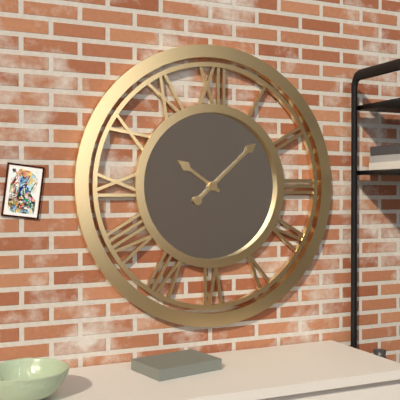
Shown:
10h08
